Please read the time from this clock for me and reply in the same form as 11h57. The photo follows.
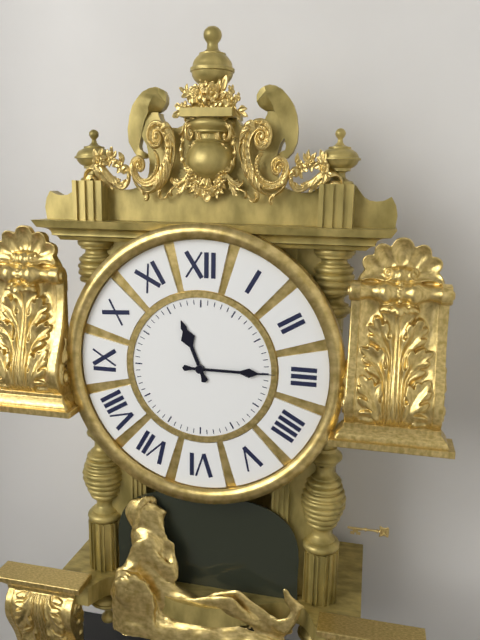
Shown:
11h15
